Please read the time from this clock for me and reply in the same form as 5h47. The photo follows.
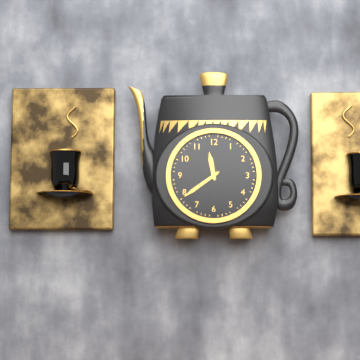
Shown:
11h39
